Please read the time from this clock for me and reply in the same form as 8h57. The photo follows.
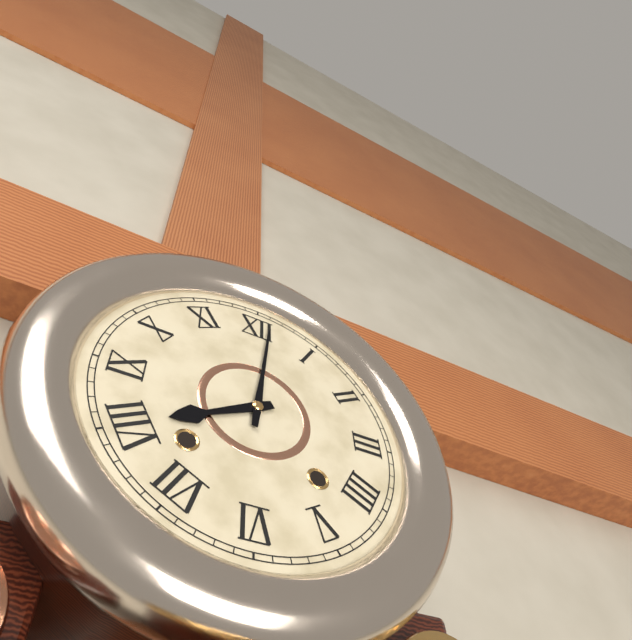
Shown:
8h01
